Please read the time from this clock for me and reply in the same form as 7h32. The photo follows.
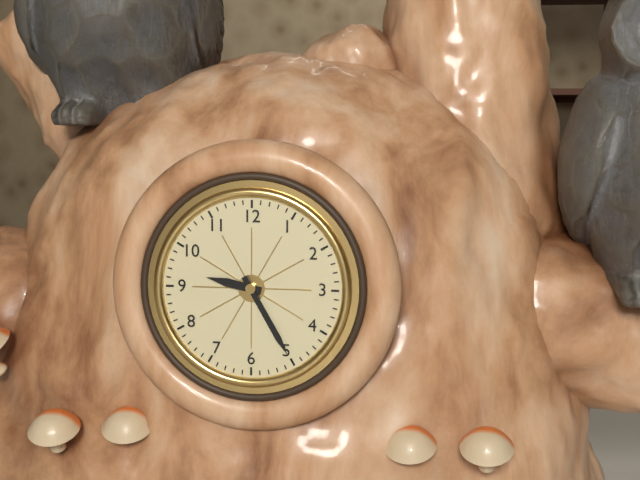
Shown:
9h25
